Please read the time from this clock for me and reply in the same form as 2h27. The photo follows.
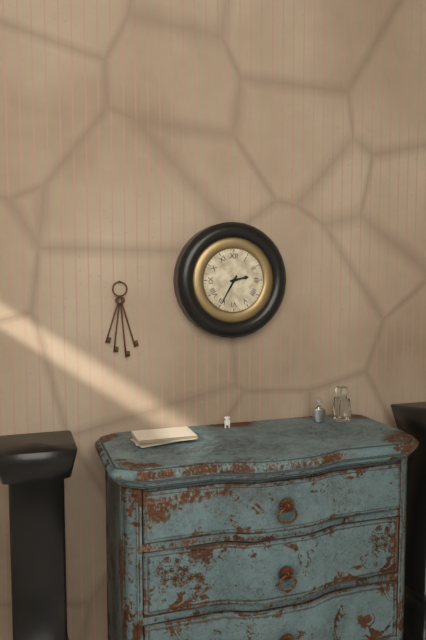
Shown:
2h35
